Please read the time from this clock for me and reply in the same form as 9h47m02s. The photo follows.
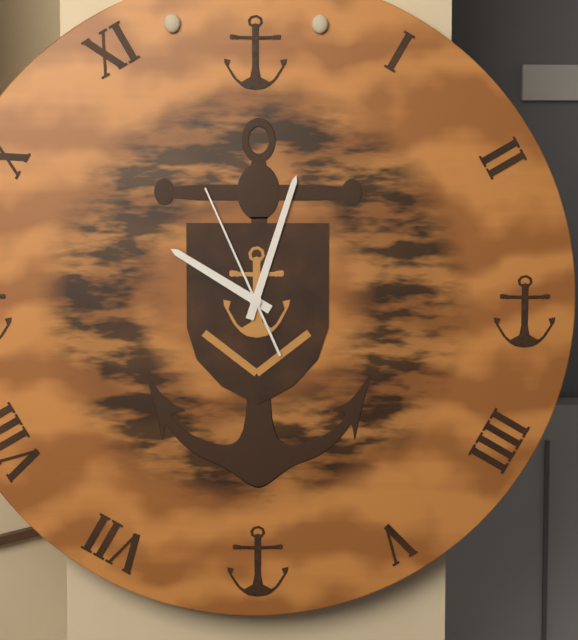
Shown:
10h03m56s
